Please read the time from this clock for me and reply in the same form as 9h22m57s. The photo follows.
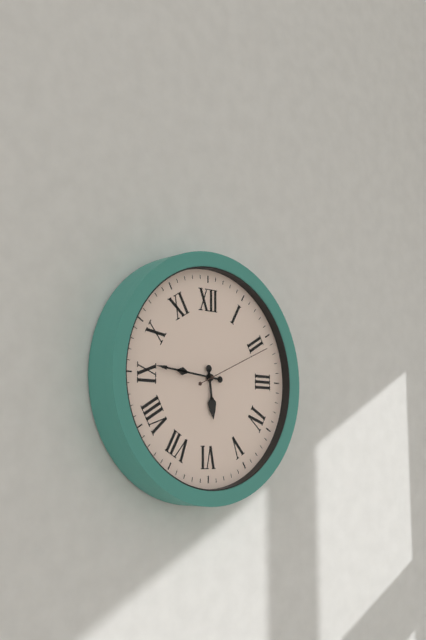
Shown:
5h46m11s
